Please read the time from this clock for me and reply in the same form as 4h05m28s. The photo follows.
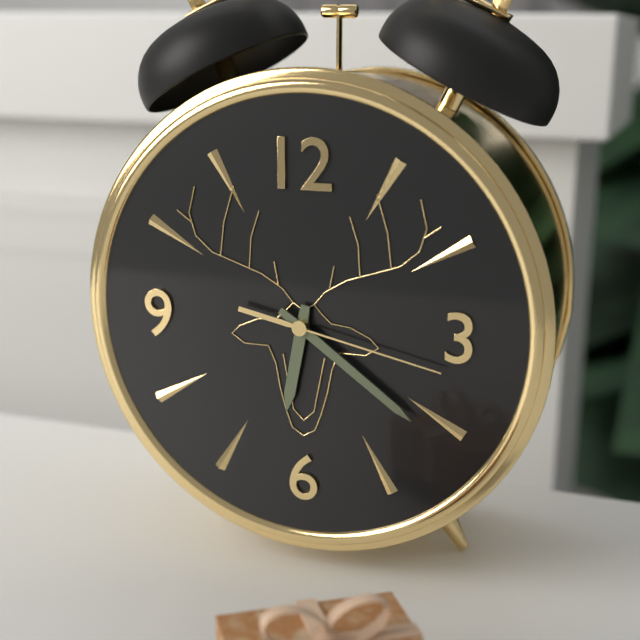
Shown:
6h21m17s
